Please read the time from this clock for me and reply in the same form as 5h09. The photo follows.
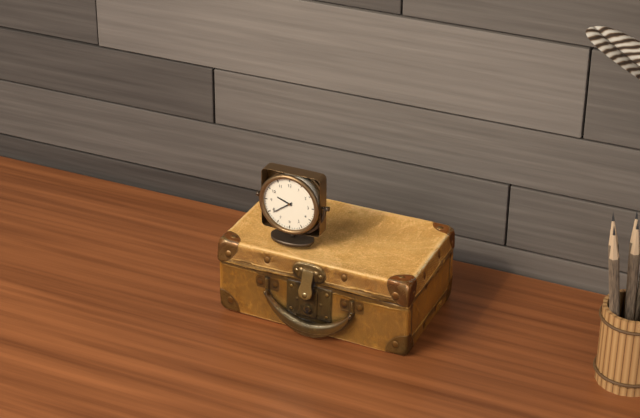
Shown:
9h39
